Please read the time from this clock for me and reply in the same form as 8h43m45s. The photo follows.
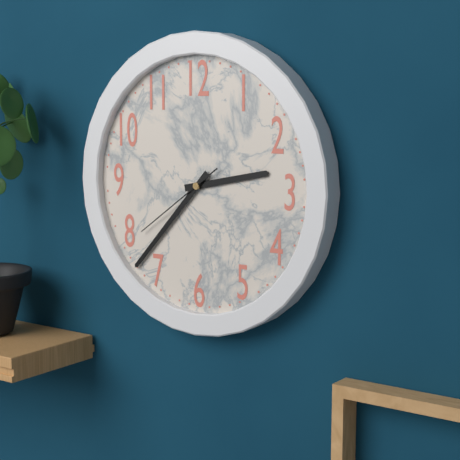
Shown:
2h37m39s
